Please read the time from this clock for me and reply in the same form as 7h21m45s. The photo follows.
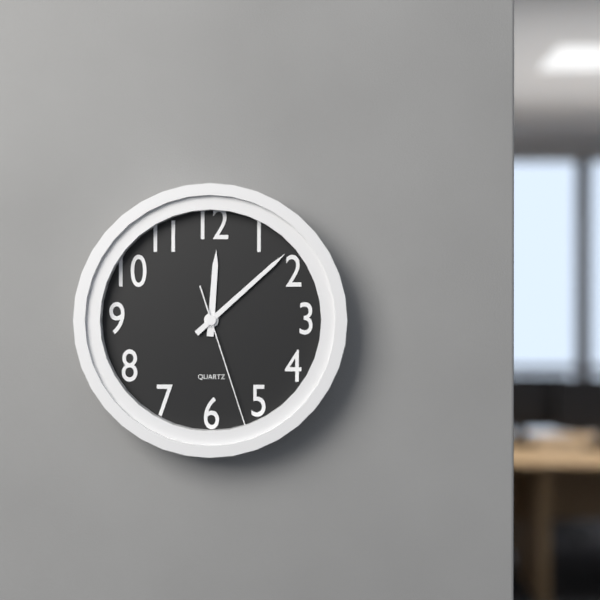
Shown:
12h08m27s
